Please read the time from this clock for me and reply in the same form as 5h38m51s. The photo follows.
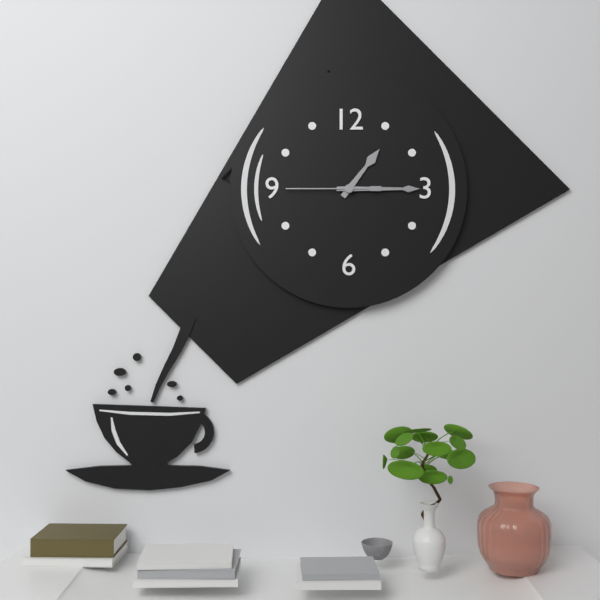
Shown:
1h15m45s
